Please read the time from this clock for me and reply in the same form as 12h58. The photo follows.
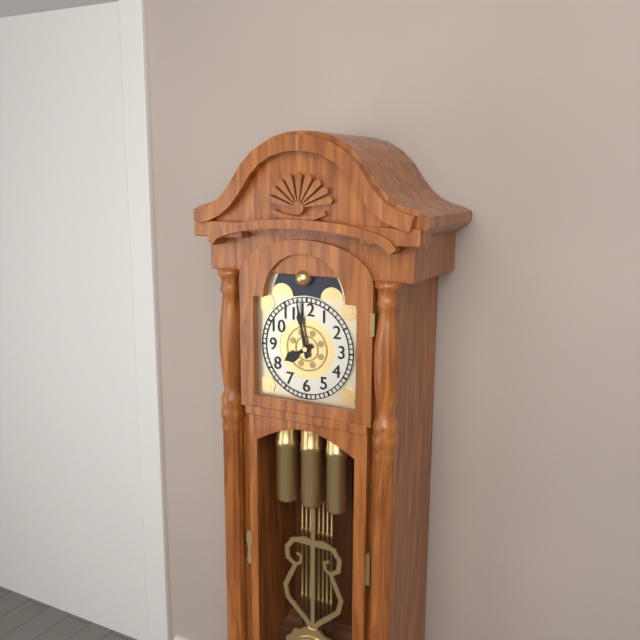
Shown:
7h58
